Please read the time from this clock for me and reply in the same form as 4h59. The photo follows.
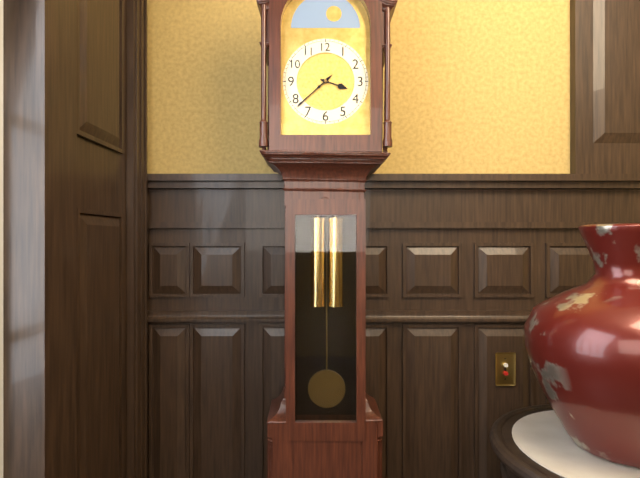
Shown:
3h38
